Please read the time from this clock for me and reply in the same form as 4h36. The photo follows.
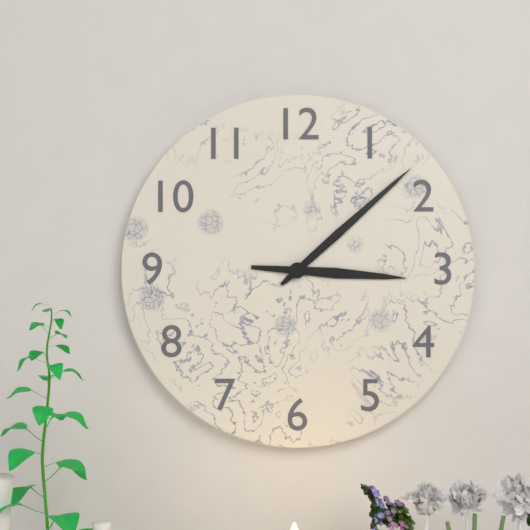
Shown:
3h08
